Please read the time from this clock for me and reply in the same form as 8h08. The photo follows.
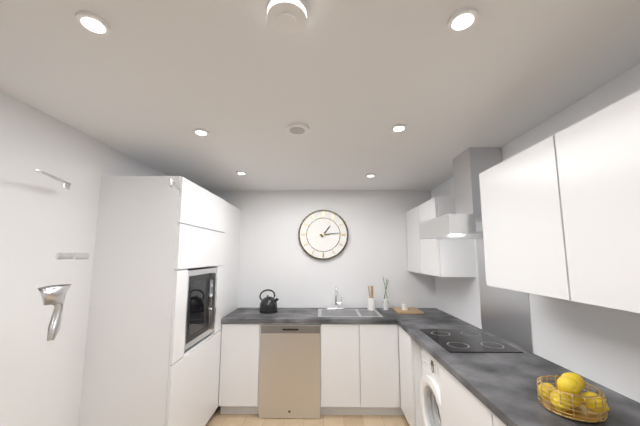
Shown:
1h14
